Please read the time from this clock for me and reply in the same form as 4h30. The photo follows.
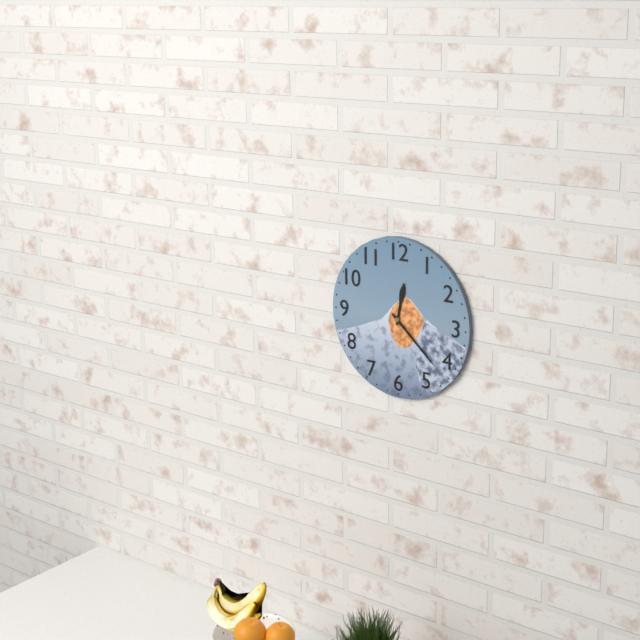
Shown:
12h22
